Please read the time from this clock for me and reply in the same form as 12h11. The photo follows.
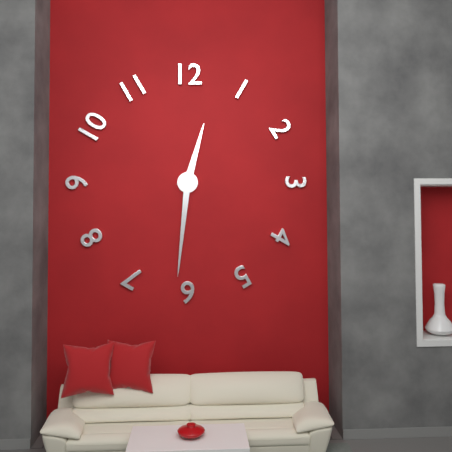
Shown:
12h31
